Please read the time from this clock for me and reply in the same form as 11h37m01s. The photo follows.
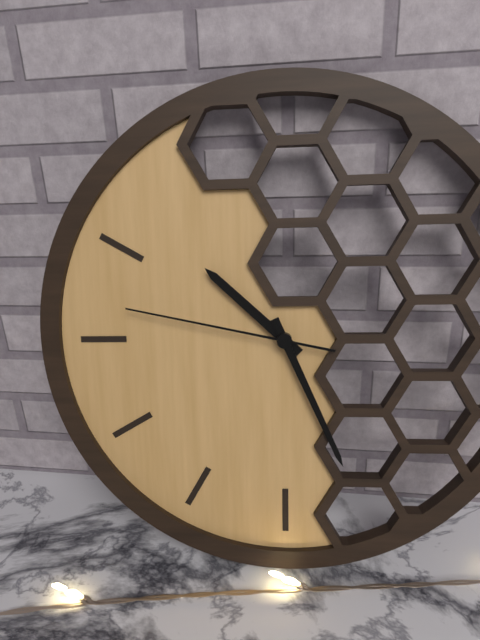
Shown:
10h26m47s
